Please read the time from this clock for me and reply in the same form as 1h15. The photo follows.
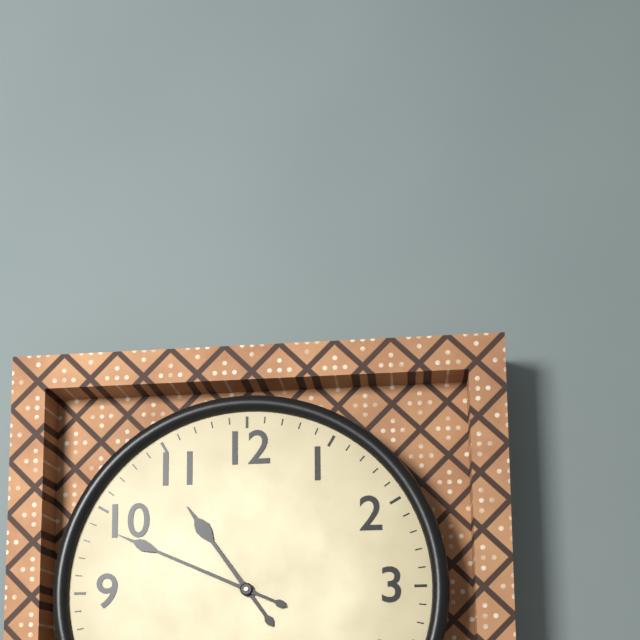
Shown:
10h49
